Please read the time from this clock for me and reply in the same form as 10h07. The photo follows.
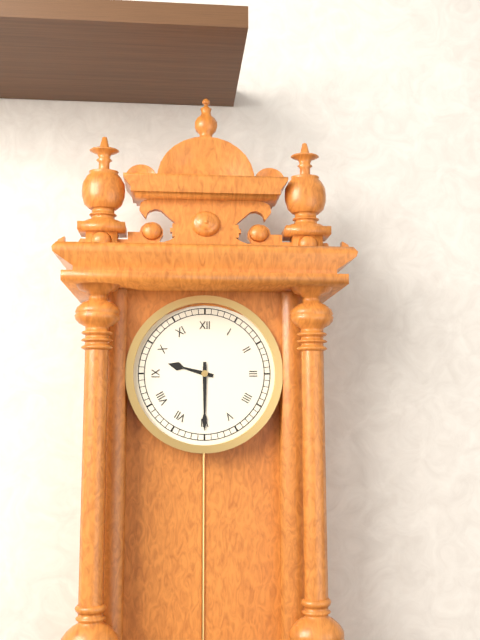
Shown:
9h30
